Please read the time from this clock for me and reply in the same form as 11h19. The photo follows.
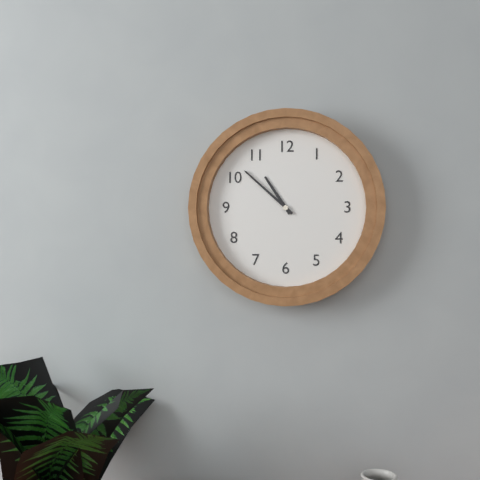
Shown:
10h52
